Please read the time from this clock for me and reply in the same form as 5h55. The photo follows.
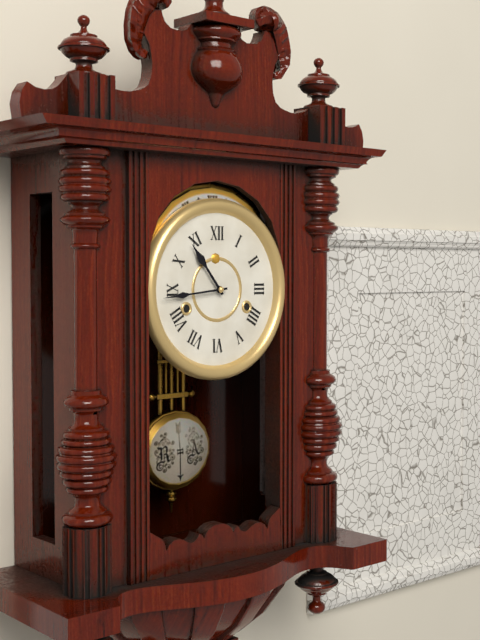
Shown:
10h44
